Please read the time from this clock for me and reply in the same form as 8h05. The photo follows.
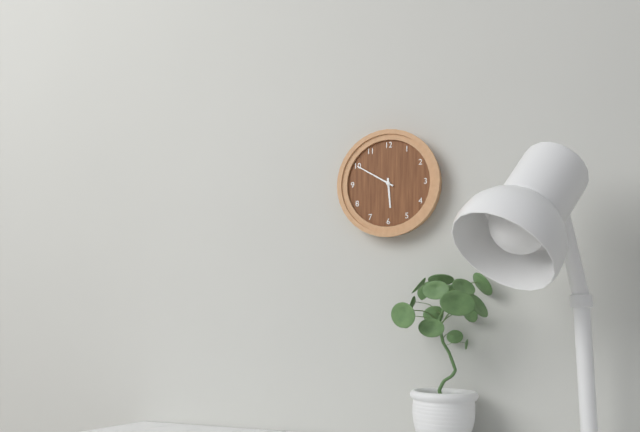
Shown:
5h50
